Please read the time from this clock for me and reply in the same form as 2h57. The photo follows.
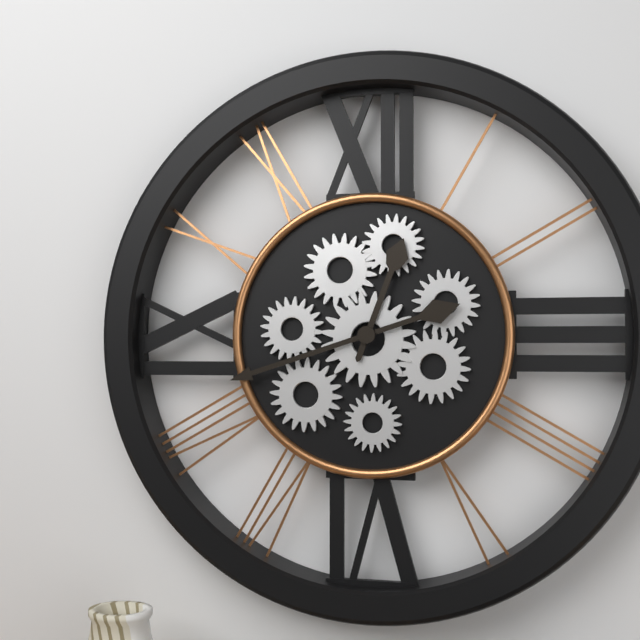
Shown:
12h42
